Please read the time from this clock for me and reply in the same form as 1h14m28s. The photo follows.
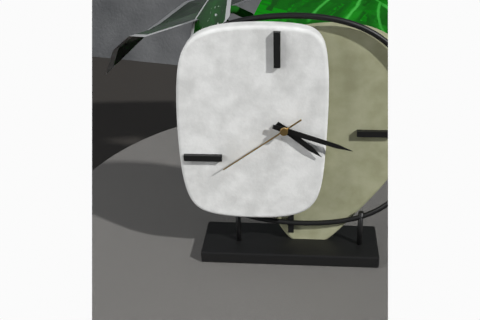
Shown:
4h18m39s
